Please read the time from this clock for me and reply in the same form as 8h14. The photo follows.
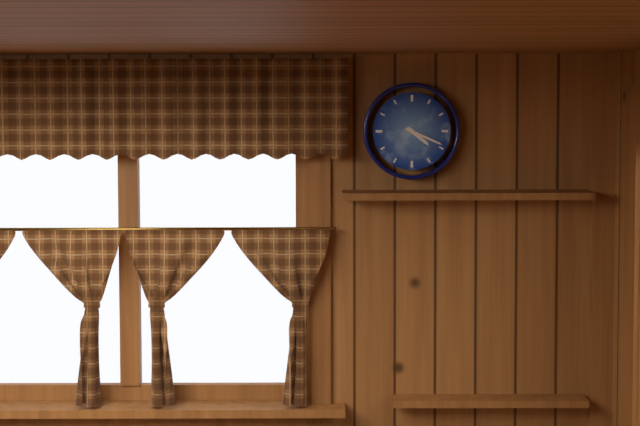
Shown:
4h19
